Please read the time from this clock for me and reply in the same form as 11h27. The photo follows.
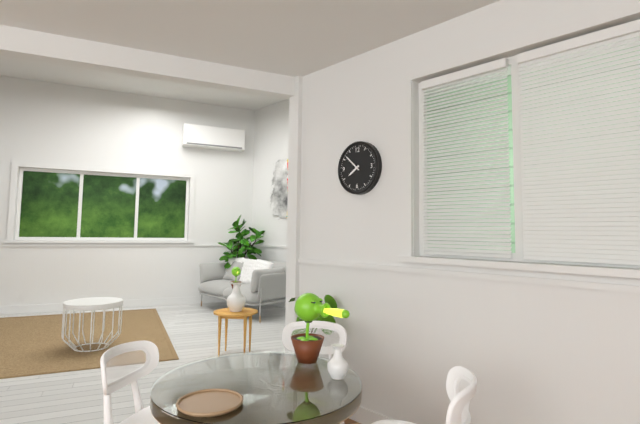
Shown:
7h52
